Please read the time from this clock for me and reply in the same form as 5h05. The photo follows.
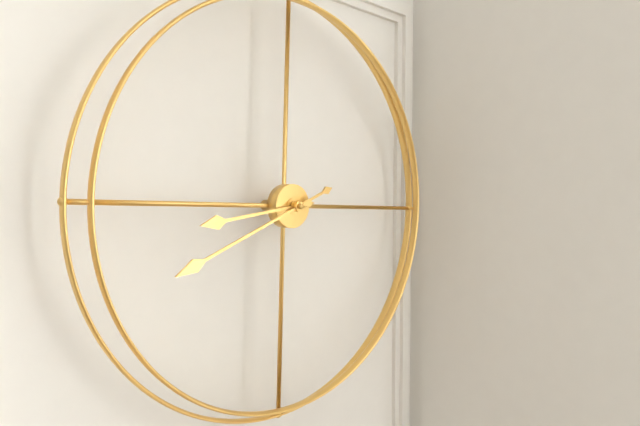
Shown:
8h41
